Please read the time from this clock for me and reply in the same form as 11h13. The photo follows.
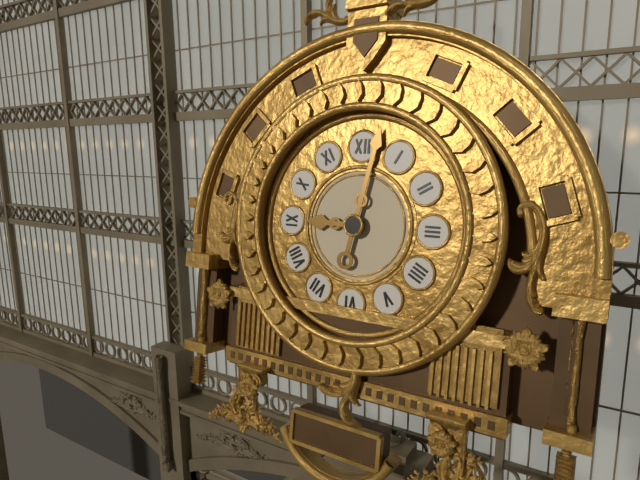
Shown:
9h02
